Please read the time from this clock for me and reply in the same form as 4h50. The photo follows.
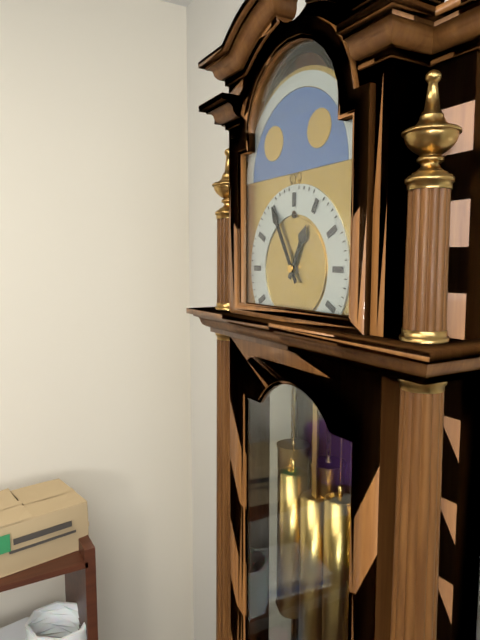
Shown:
12h55
